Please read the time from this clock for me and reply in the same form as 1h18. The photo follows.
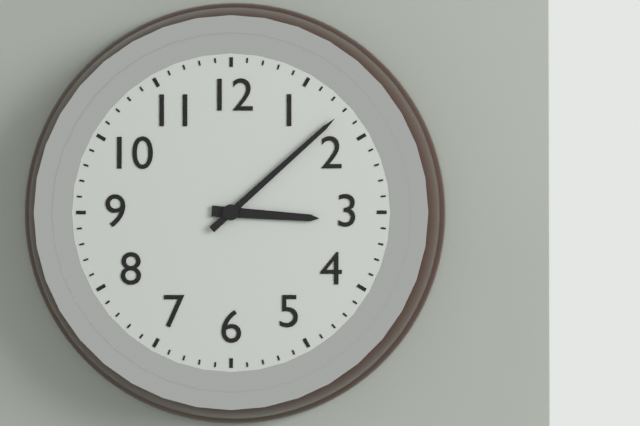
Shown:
3h08
